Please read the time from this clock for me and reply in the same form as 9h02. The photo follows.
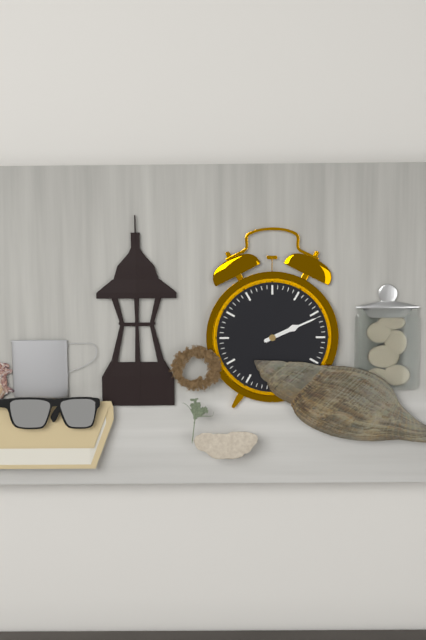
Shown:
2h11
